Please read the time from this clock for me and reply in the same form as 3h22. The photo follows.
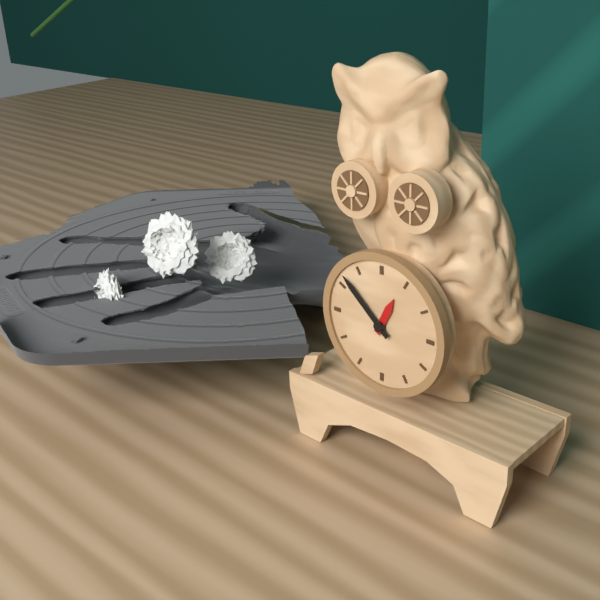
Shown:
12h52
